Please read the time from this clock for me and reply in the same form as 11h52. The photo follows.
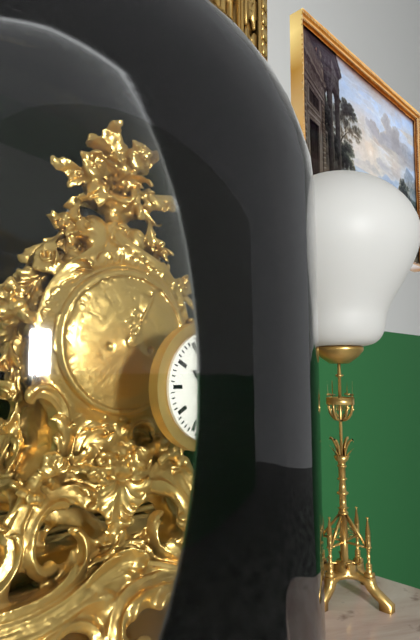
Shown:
10h05
